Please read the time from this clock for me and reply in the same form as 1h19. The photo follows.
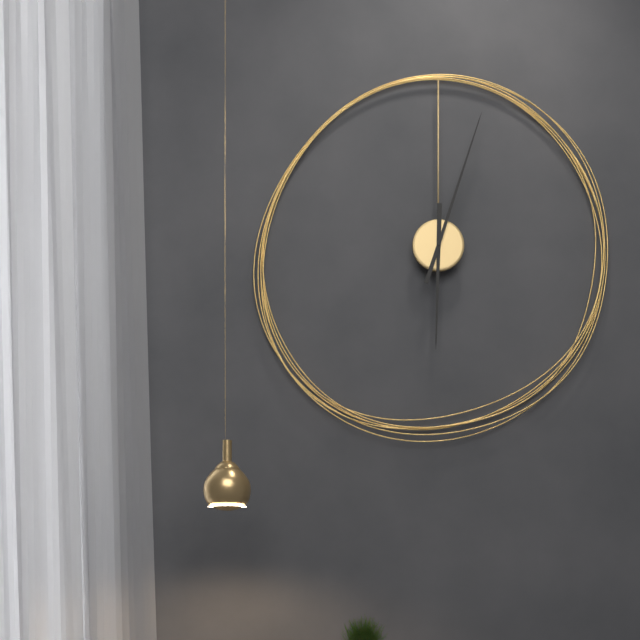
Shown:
6h03
